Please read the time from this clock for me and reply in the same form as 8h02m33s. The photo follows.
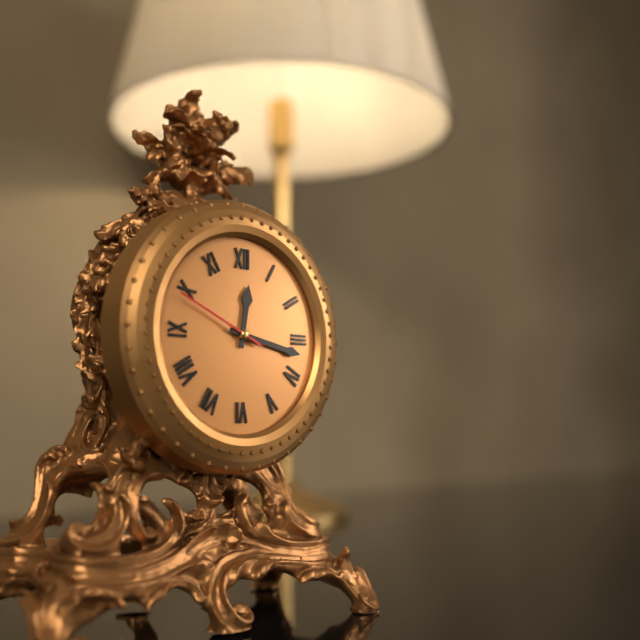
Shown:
12h17m49s
